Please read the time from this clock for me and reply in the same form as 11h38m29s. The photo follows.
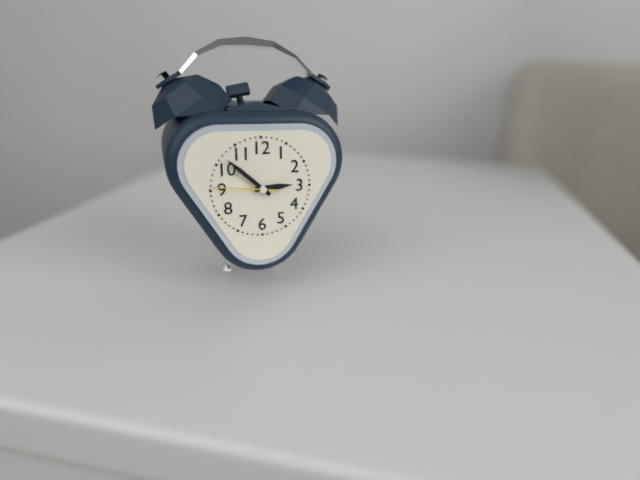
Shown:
2h52m46s
